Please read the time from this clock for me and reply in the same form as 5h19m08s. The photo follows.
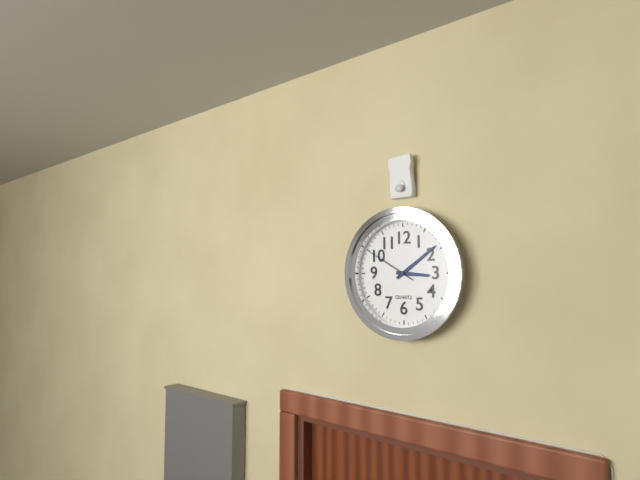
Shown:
3h09m50s
